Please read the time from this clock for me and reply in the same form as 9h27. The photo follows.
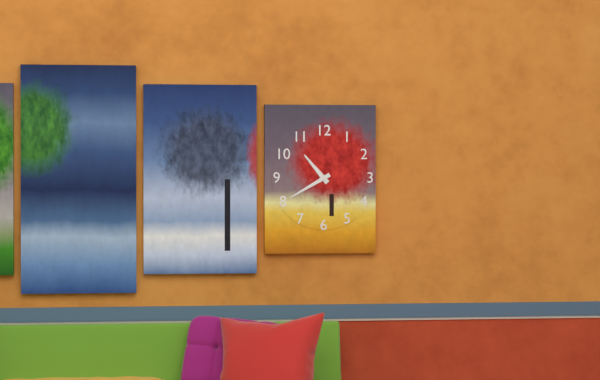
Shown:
10h40
